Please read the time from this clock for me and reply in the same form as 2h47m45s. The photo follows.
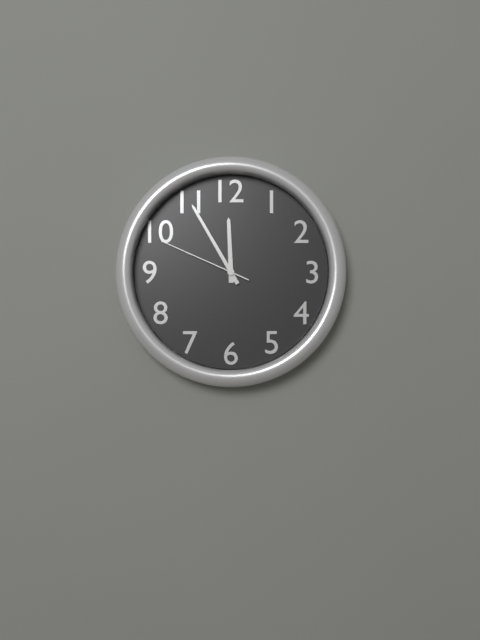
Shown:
11h55m49s
